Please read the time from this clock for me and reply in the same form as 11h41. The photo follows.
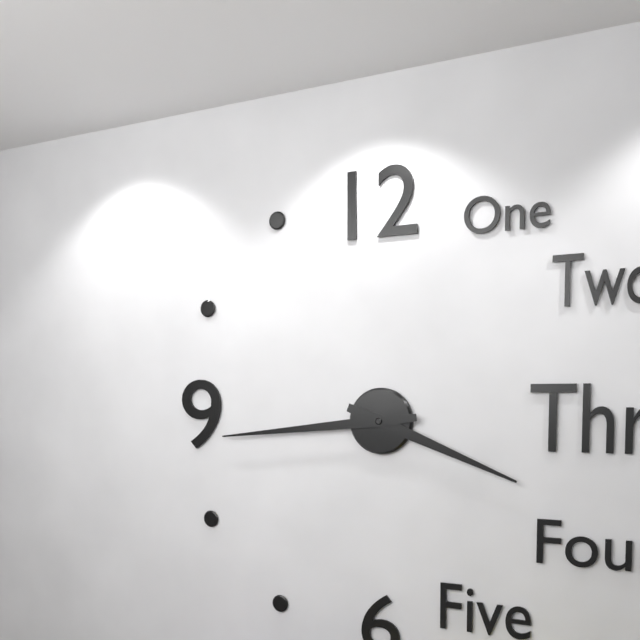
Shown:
3h44
